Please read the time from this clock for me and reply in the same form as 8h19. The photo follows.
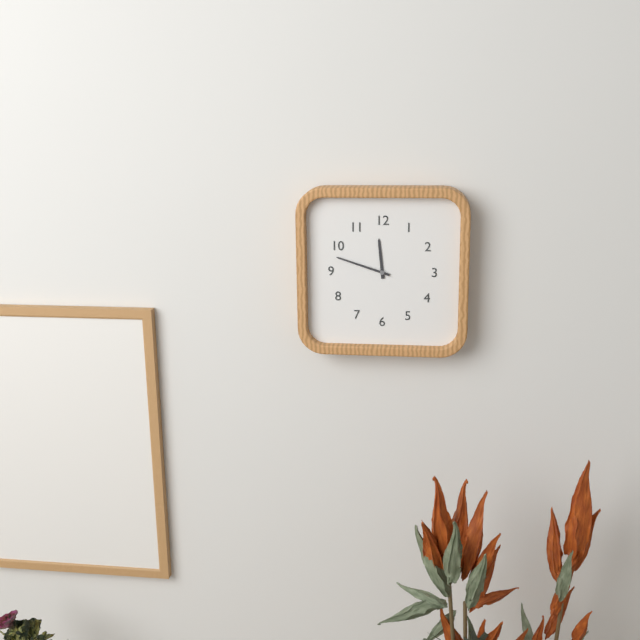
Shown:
11h48
